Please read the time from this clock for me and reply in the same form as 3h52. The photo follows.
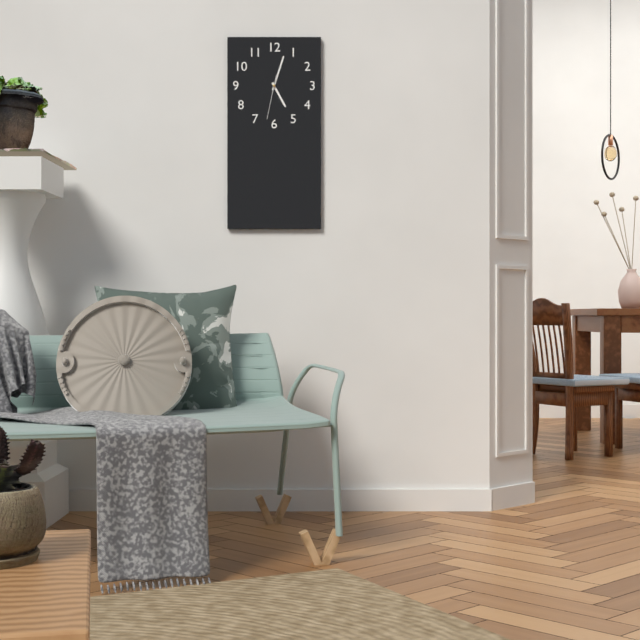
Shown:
5h03
